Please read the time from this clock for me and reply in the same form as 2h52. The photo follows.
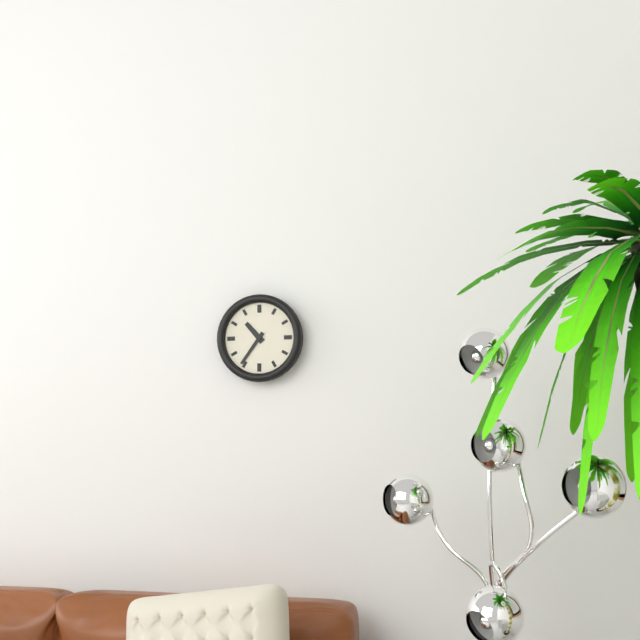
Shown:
10h36
